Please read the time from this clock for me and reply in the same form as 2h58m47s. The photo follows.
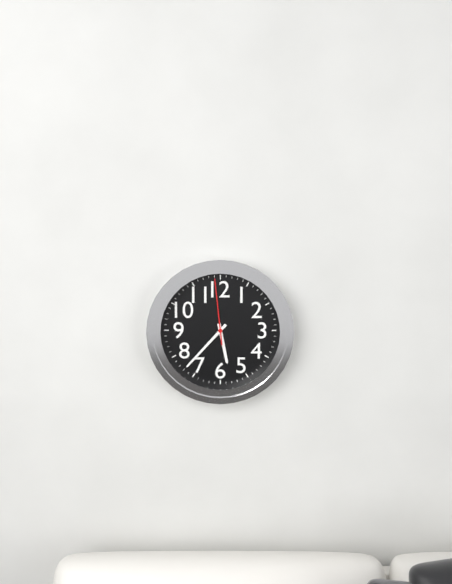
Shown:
5h37m59s
